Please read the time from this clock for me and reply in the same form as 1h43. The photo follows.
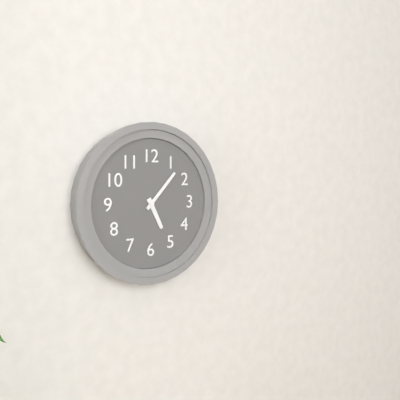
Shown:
5h07
